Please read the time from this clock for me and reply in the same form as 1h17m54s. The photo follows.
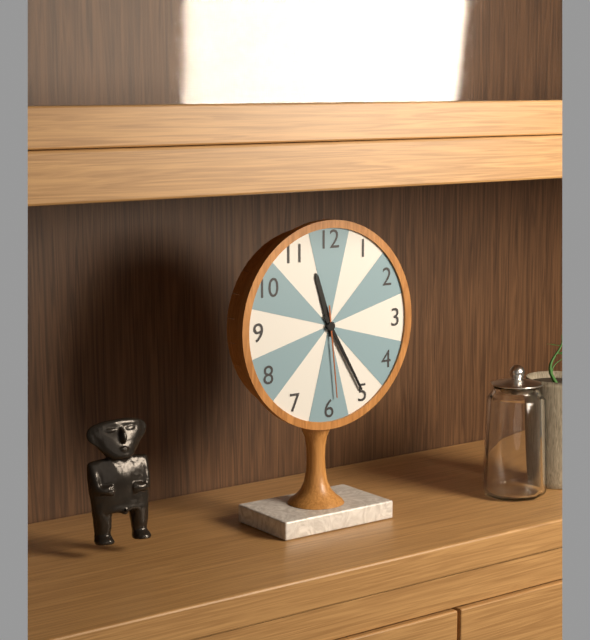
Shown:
11h25m29s
